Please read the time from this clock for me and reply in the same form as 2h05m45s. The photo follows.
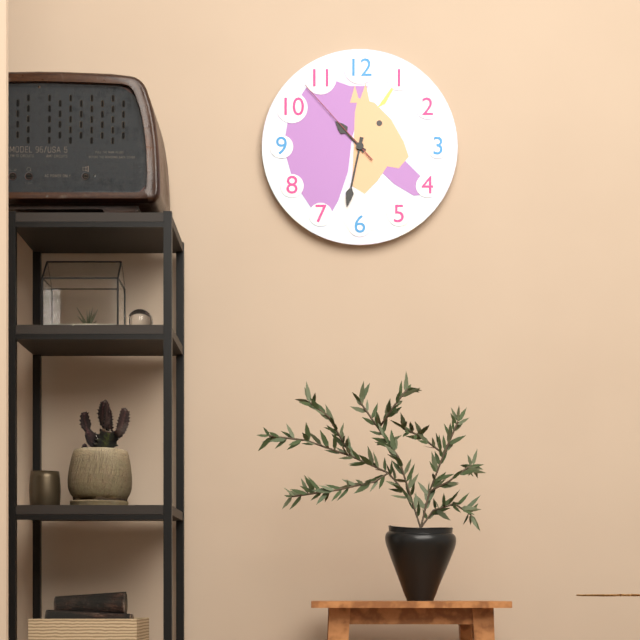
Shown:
10h32m53s
